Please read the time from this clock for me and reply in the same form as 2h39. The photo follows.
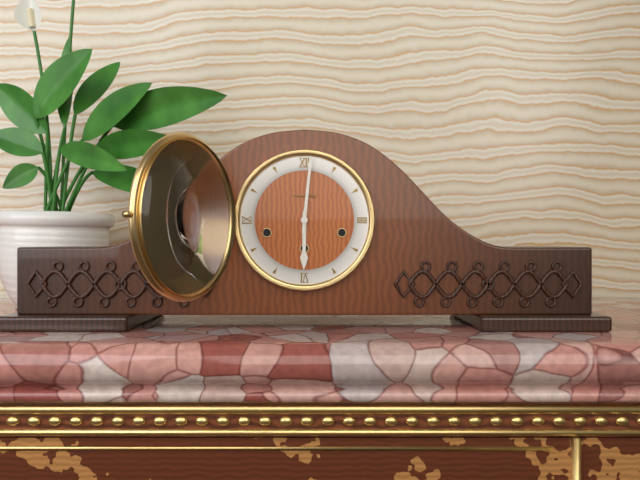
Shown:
6h01
